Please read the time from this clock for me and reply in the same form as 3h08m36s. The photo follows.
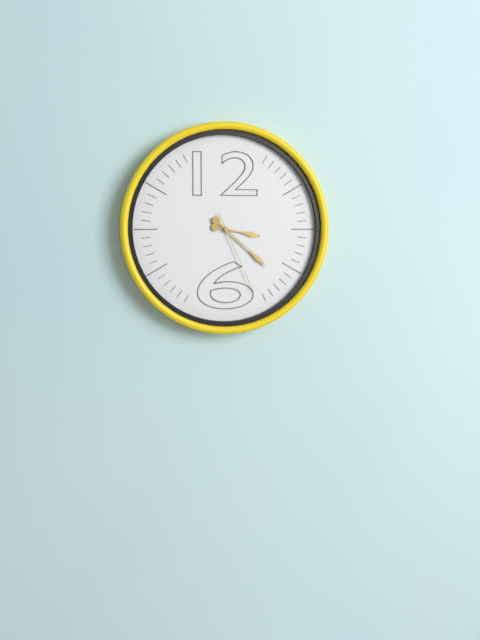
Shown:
3h22m26s
